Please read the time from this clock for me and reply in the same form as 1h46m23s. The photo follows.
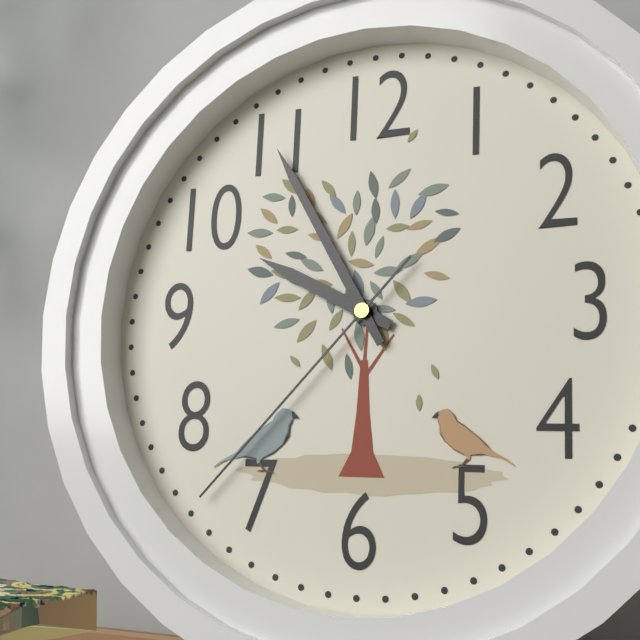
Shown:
9h55m37s
